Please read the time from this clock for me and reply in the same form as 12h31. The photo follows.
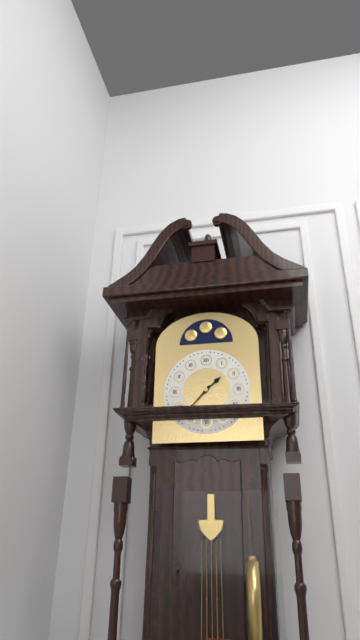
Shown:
1h37
